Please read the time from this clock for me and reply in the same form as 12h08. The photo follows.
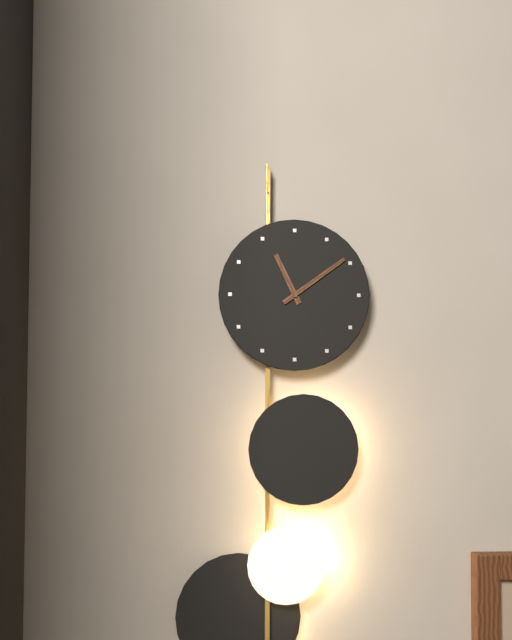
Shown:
11h09
